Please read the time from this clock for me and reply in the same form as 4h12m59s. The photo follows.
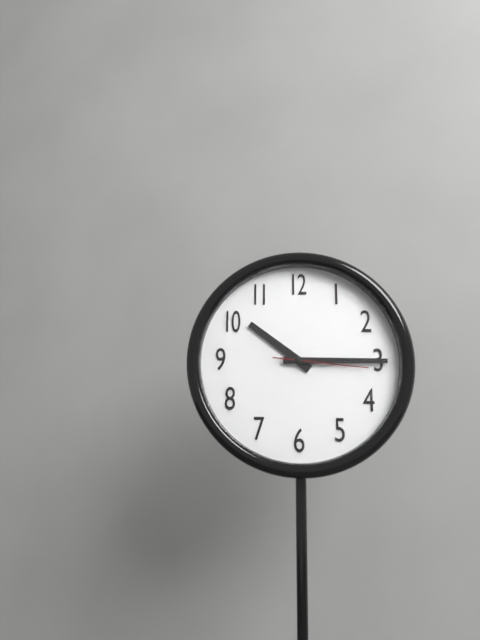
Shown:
10h15m16s
